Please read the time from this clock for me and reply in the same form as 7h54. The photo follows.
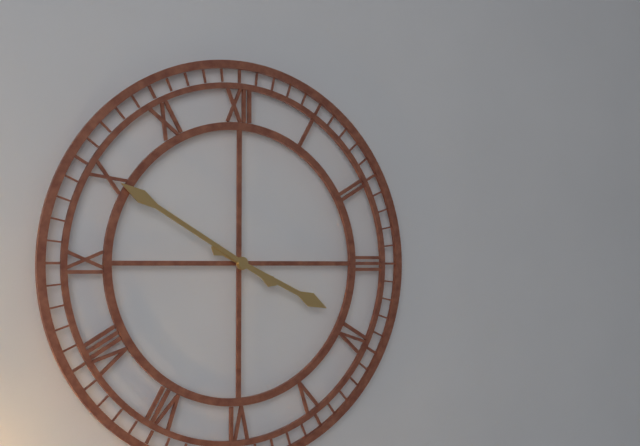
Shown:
3h50
